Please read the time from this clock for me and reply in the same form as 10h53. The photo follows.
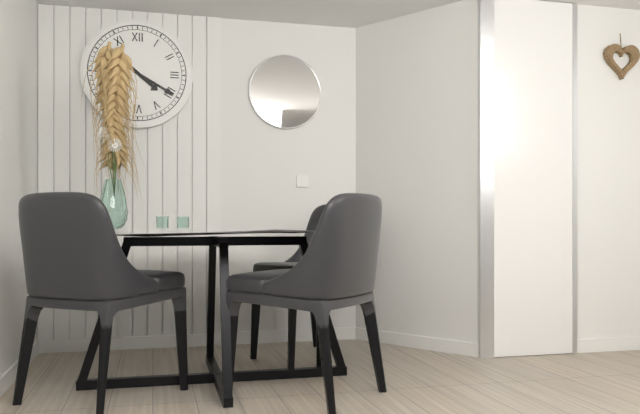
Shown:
4h20
